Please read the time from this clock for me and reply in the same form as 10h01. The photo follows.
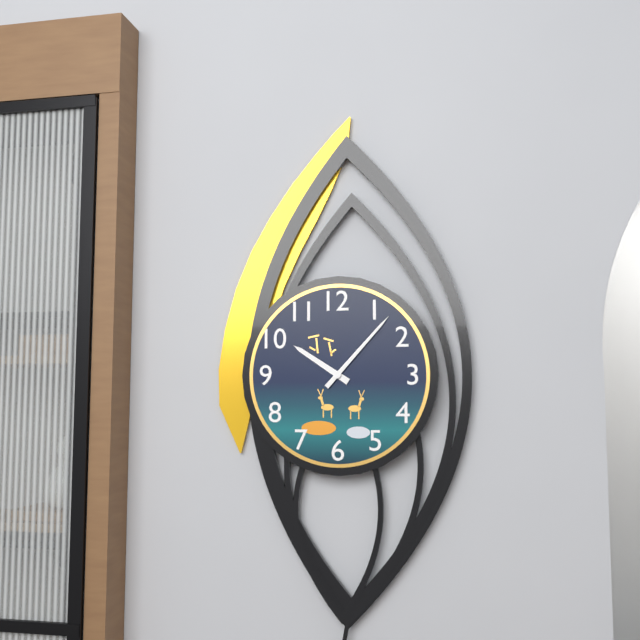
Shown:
10h07
